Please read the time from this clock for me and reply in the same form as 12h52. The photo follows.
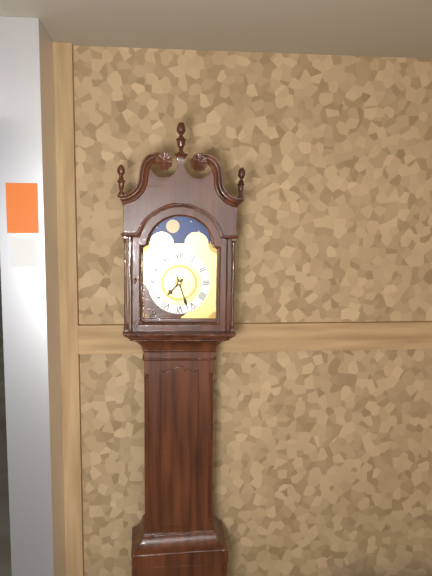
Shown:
7h27
